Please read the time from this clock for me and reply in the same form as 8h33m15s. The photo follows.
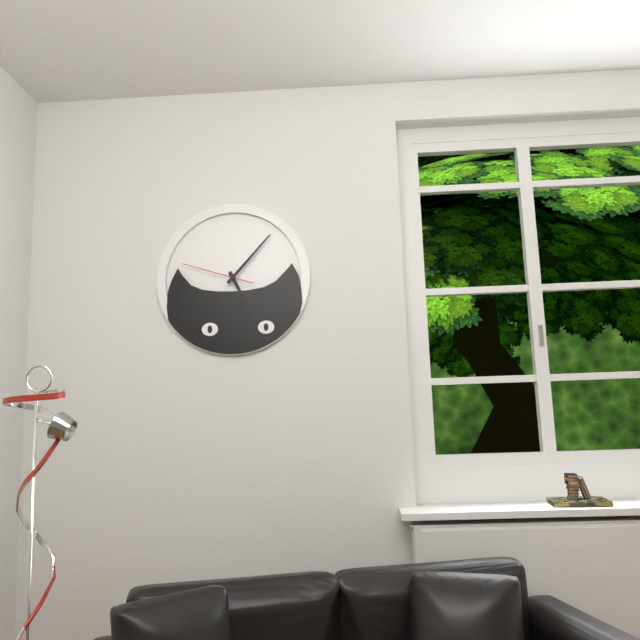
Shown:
5h07m48s
